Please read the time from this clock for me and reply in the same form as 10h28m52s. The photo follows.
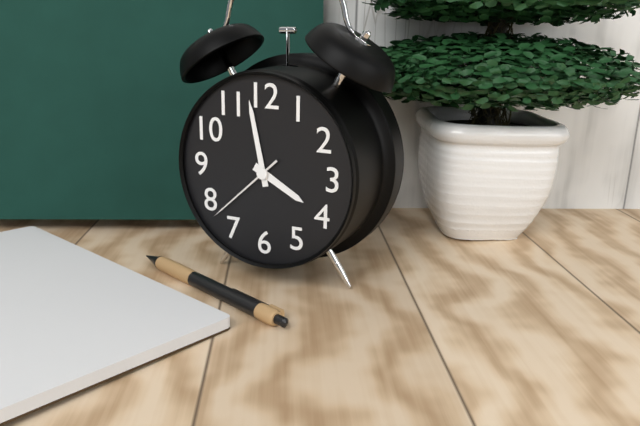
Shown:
3h58m38s
